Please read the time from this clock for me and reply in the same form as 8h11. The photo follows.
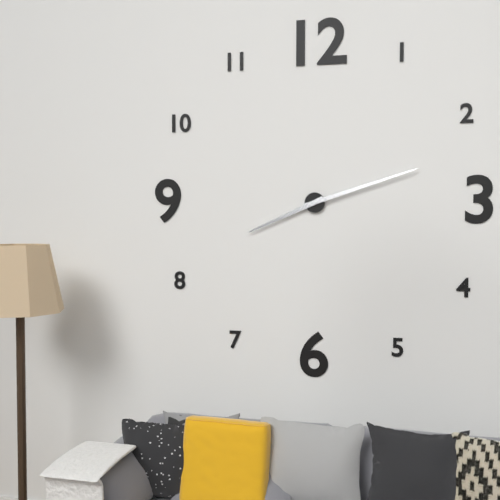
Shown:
8h12
